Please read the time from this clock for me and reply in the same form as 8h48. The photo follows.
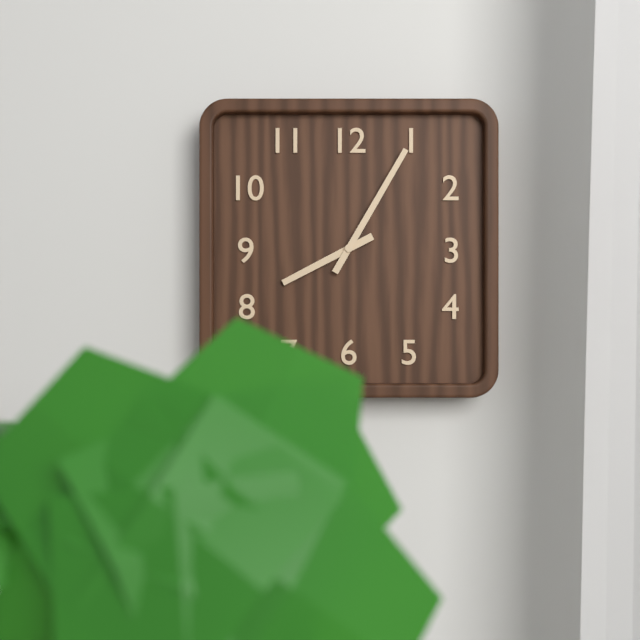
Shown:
8h05
